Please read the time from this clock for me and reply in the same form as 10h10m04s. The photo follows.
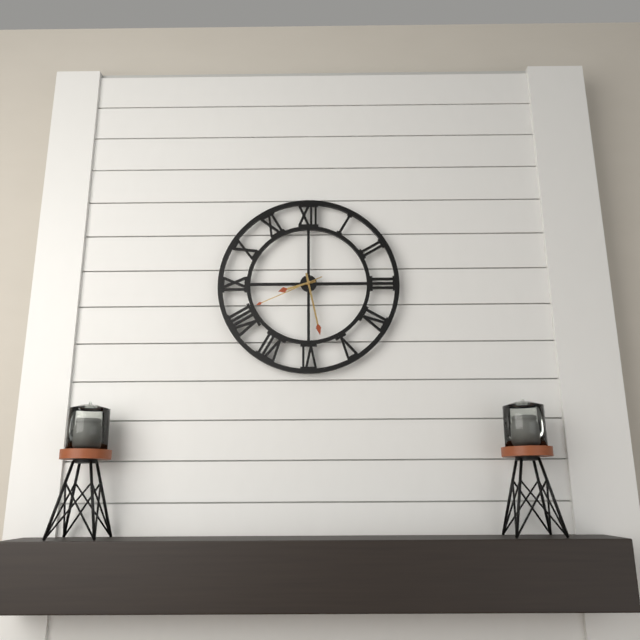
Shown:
8h28m41s
